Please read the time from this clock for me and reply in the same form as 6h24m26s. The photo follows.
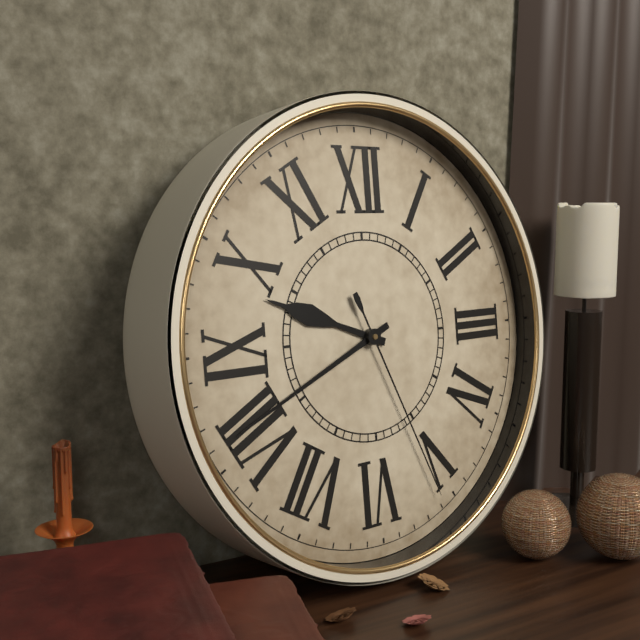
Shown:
9h41m26s
